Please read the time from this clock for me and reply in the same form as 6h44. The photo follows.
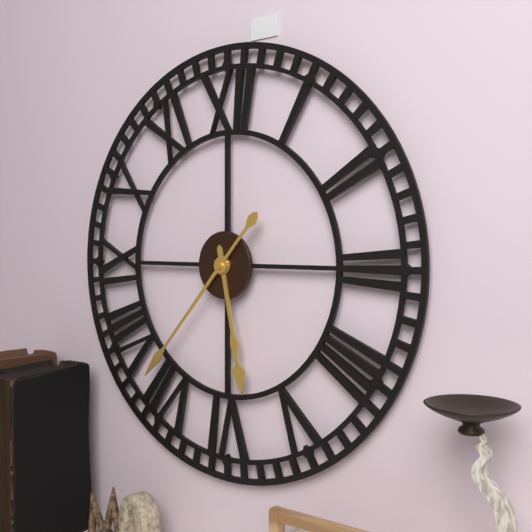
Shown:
5h37
